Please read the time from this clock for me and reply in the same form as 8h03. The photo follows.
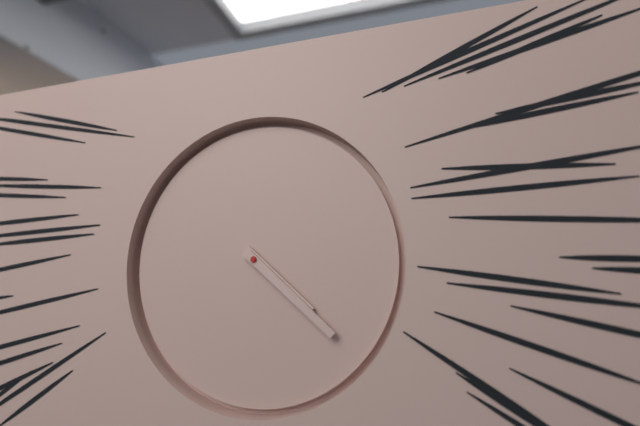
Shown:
4h22
